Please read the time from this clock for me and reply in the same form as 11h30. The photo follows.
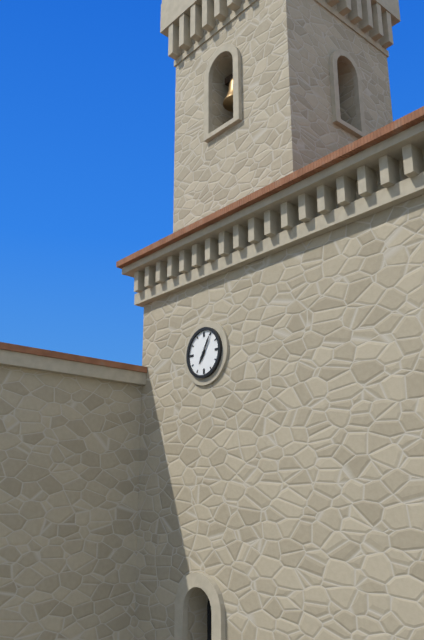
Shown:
7h05
